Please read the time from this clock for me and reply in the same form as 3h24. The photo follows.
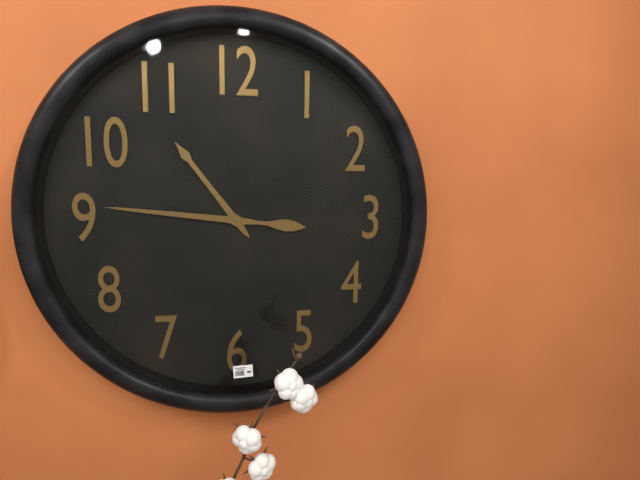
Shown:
10h46
